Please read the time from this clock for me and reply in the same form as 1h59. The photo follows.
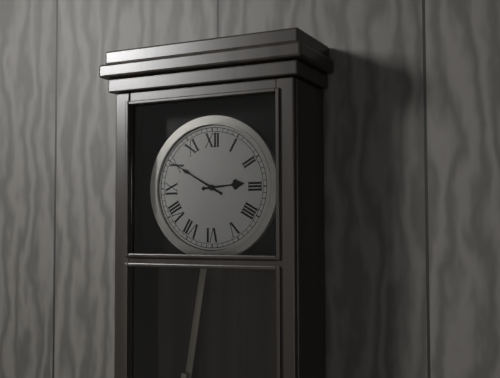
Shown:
2h50
